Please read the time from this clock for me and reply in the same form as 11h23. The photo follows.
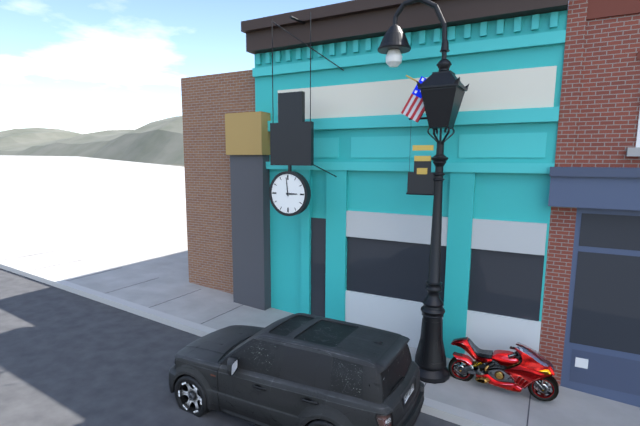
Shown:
2h59
